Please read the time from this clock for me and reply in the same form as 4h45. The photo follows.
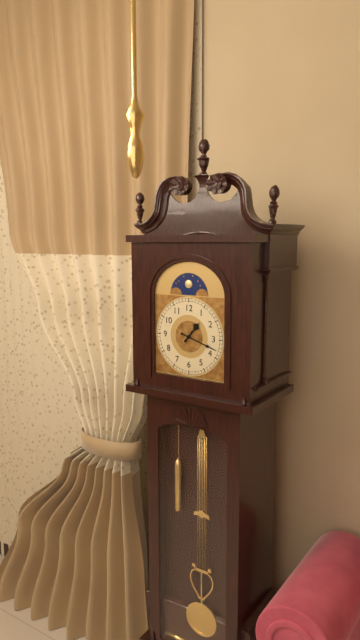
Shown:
1h18
